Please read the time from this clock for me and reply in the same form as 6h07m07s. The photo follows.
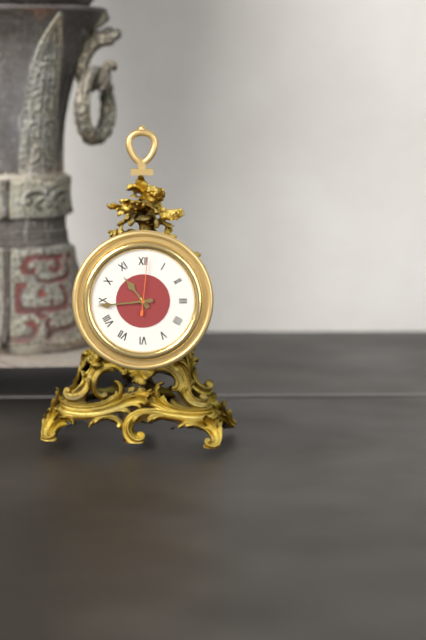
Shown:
10h44m01s
